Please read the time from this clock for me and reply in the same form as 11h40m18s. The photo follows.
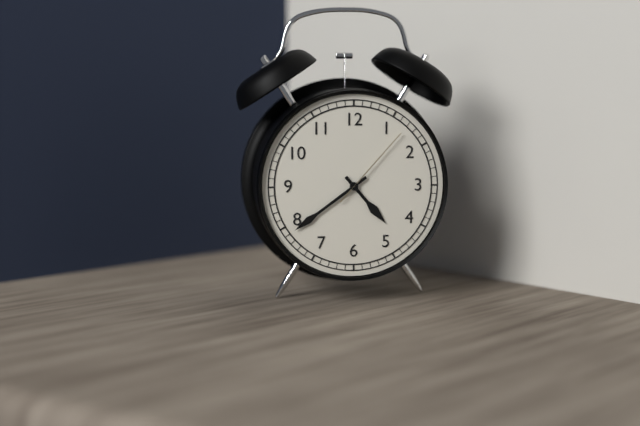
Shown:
4h39m07s
